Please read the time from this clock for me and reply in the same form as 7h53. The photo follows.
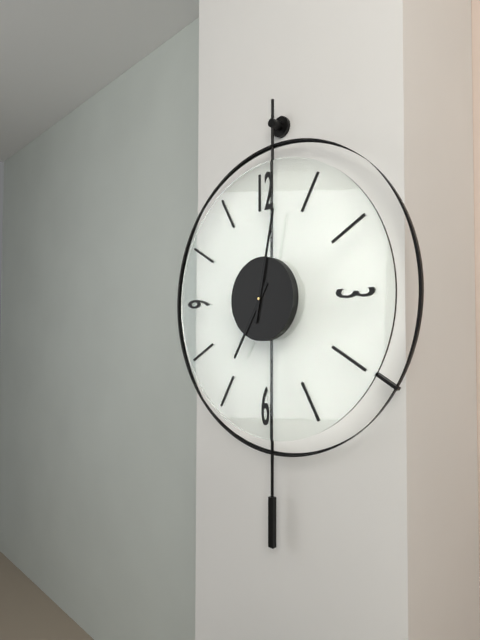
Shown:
7h02
